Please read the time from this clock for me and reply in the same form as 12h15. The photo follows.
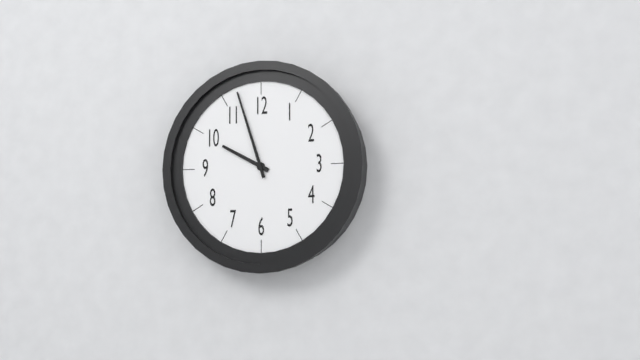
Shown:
9h57
